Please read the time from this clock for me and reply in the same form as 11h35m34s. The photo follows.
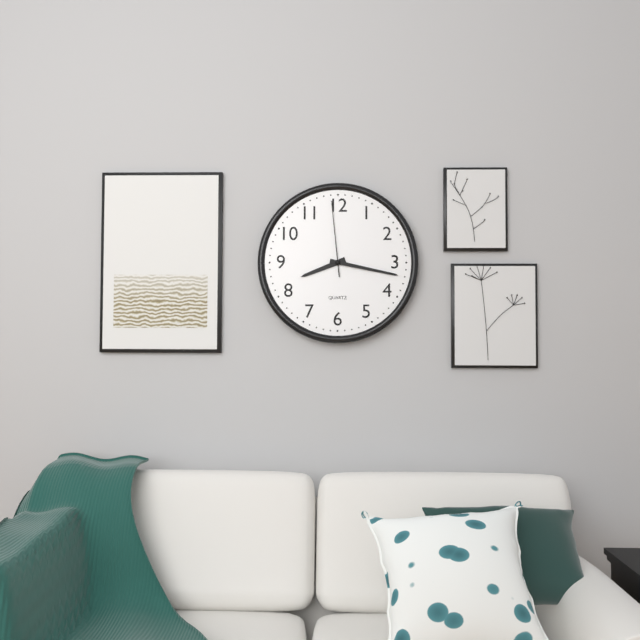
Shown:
8h17m59s
